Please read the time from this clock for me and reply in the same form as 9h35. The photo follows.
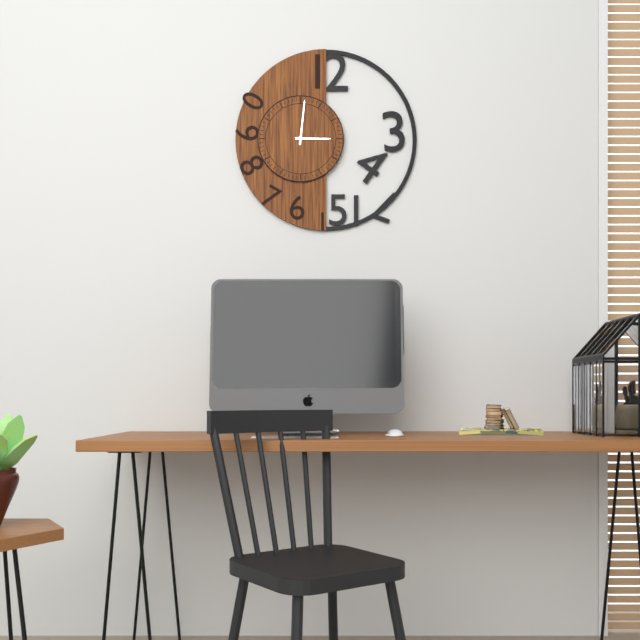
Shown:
3h01
